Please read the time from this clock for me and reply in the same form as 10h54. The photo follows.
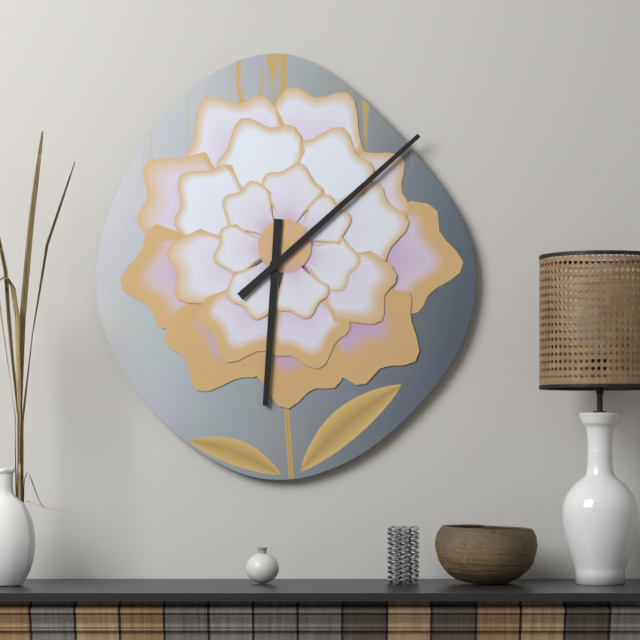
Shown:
6h08
